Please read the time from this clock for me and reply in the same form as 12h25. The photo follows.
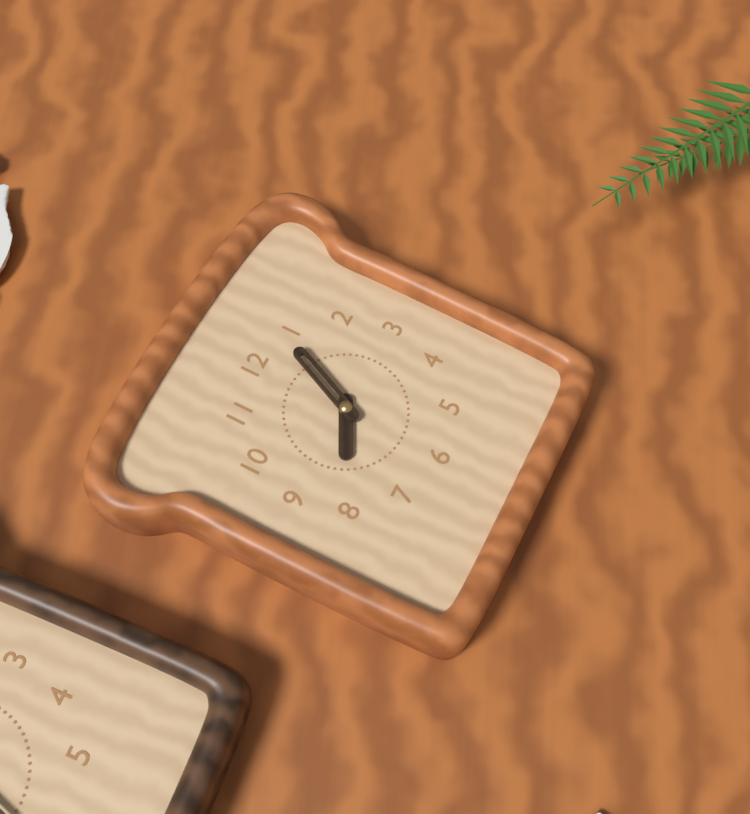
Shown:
8h04
